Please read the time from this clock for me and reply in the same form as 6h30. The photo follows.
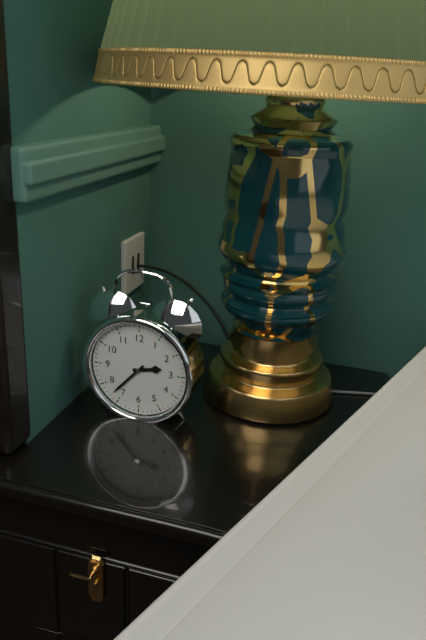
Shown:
2h37
